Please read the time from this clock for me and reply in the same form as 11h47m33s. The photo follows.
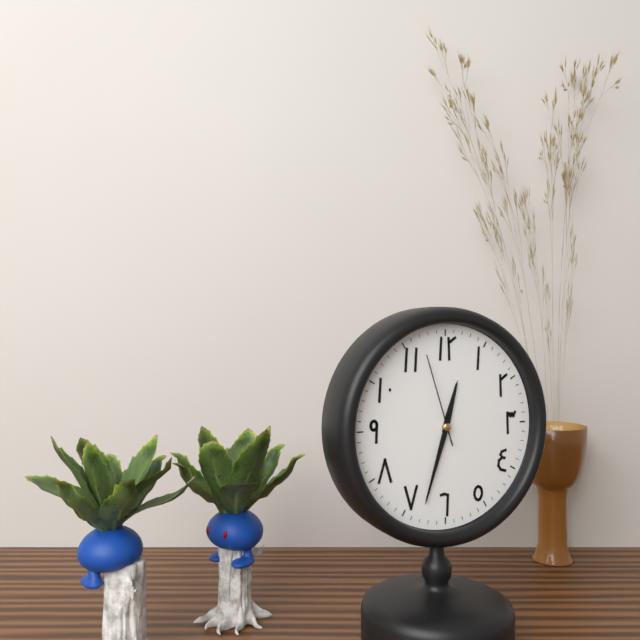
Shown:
12h33m57s
